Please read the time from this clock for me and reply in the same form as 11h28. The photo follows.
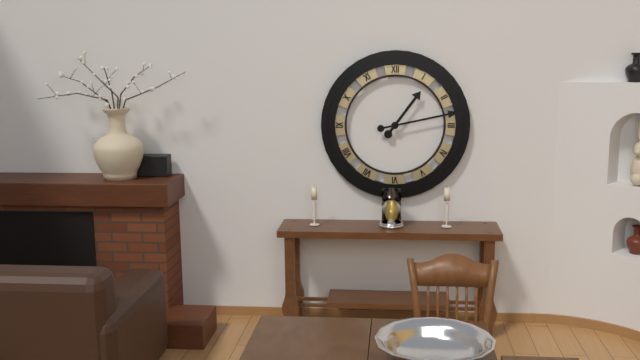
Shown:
1h13
